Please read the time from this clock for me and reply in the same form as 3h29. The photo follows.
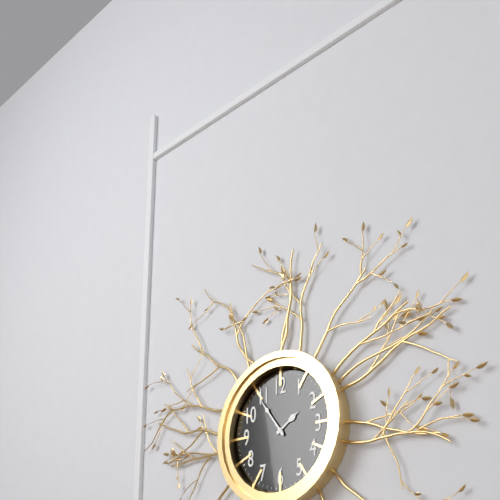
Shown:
1h54
